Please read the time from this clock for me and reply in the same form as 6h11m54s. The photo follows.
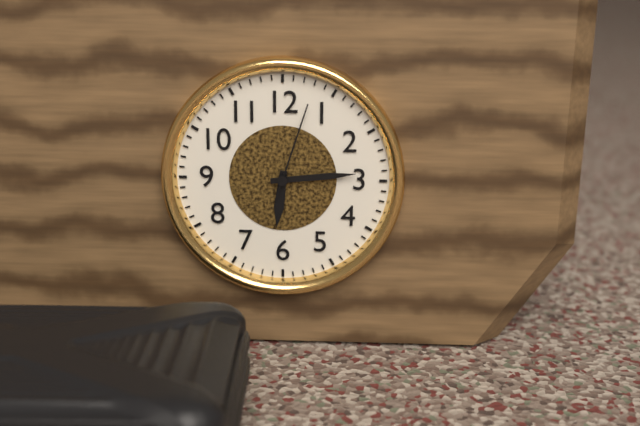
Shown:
6h14m03s
